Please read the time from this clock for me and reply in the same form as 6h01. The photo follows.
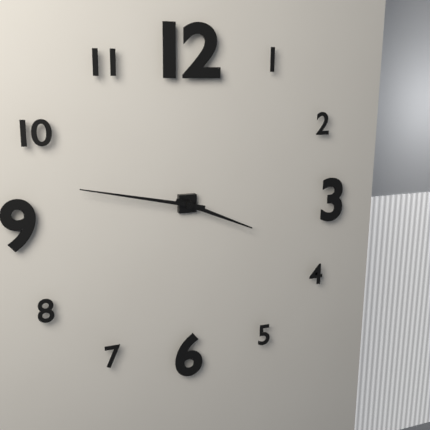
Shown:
3h47
